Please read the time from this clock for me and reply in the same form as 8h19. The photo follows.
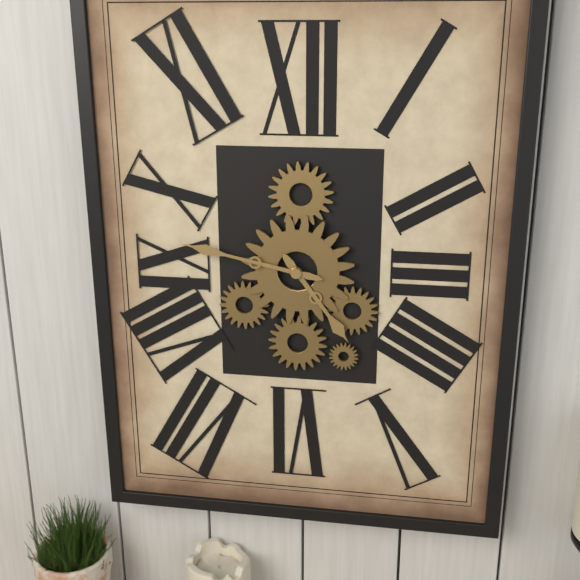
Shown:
4h47
